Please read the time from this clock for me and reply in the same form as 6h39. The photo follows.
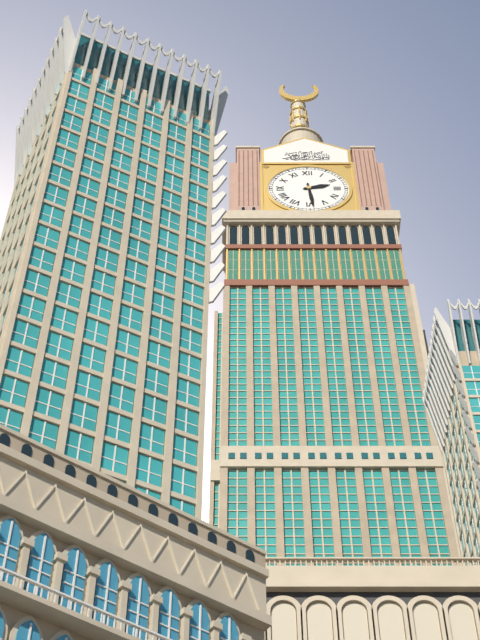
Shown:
2h29
